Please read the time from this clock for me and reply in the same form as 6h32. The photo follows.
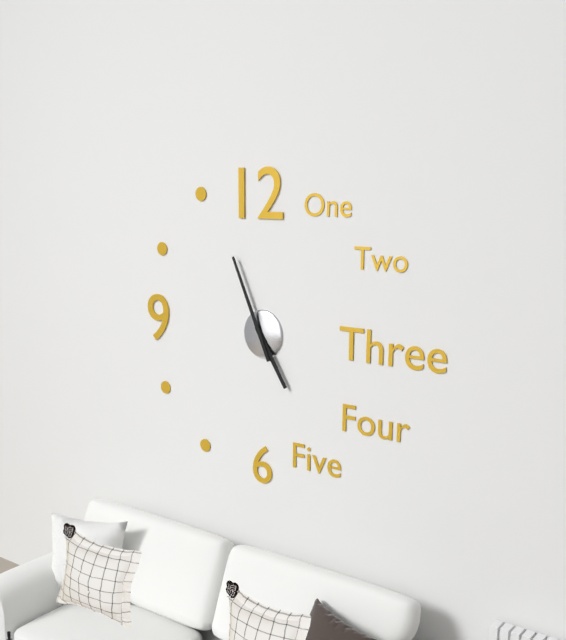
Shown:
4h56
